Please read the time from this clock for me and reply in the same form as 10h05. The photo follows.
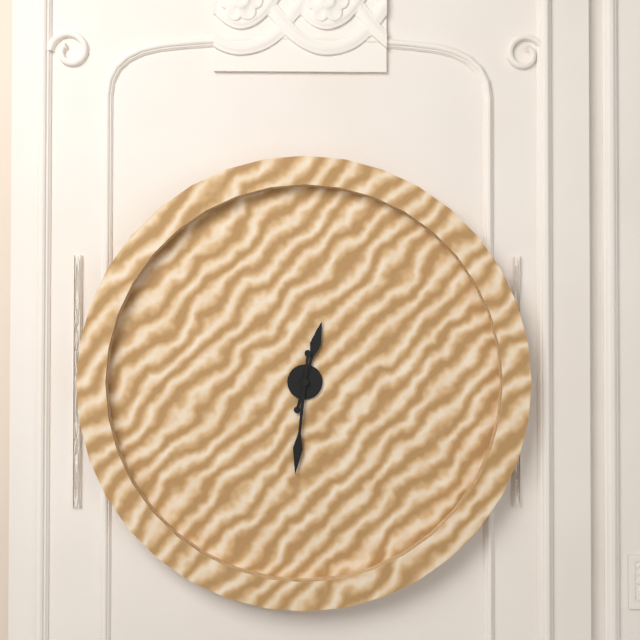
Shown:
12h31
